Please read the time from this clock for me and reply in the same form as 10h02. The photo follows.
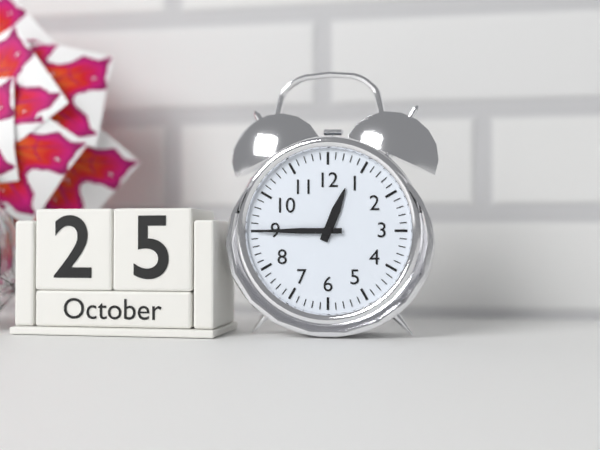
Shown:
12h45
